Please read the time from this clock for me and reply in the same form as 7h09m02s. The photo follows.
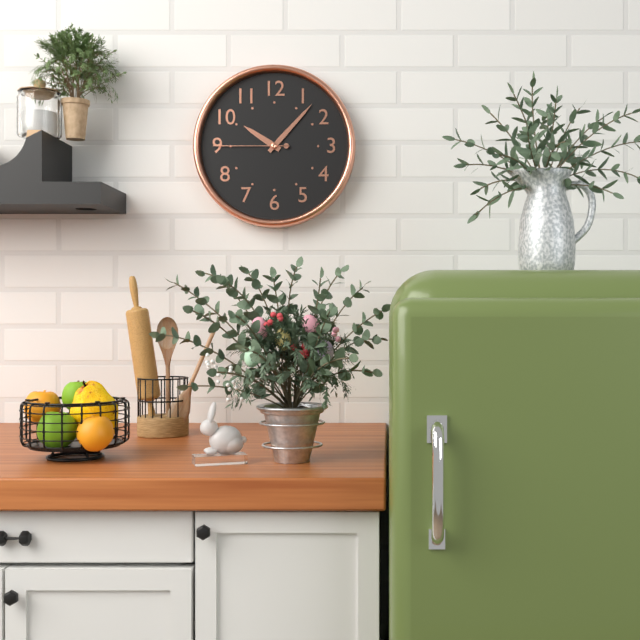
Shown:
10h07m45s
